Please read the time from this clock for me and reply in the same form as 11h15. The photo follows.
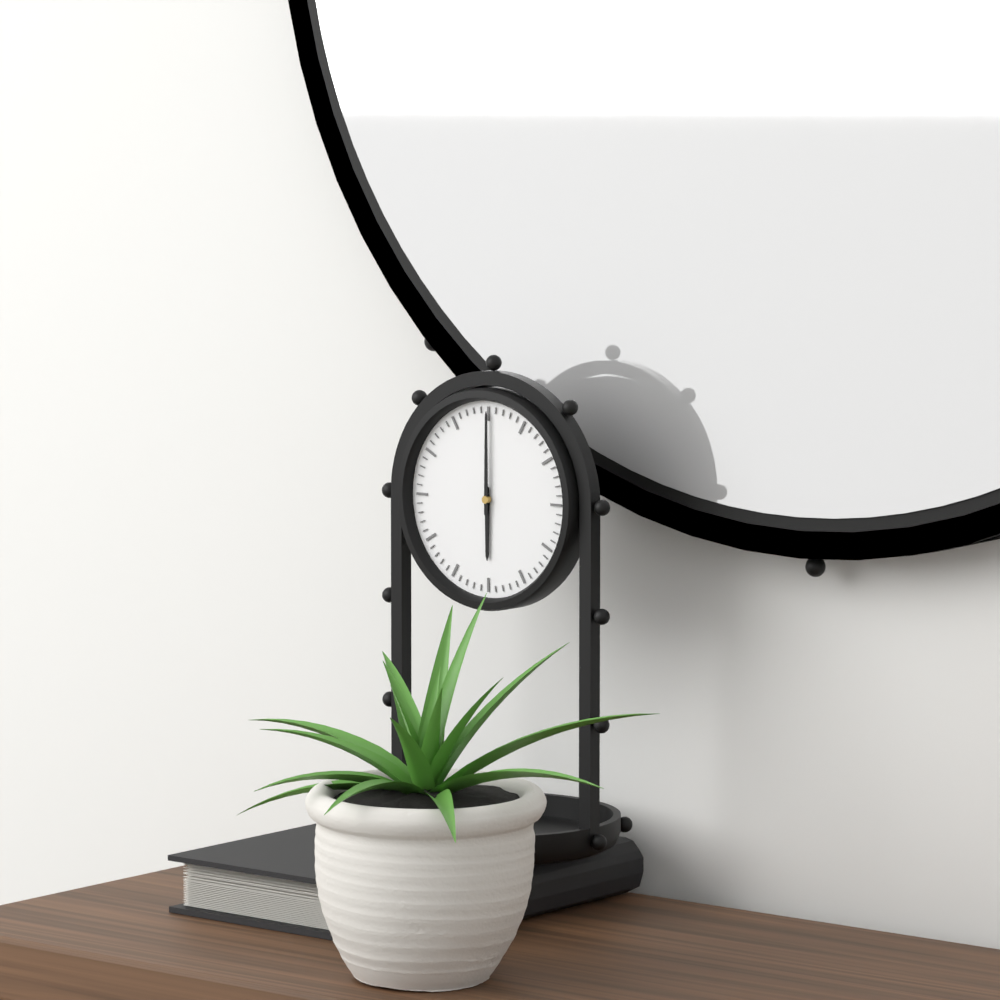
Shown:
6h00
